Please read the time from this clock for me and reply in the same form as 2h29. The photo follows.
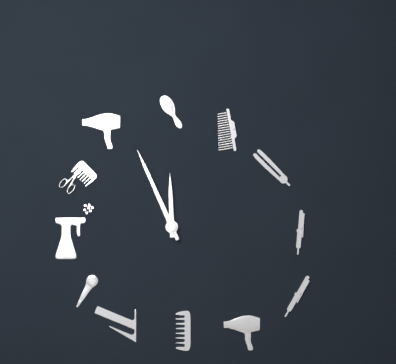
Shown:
11h56
